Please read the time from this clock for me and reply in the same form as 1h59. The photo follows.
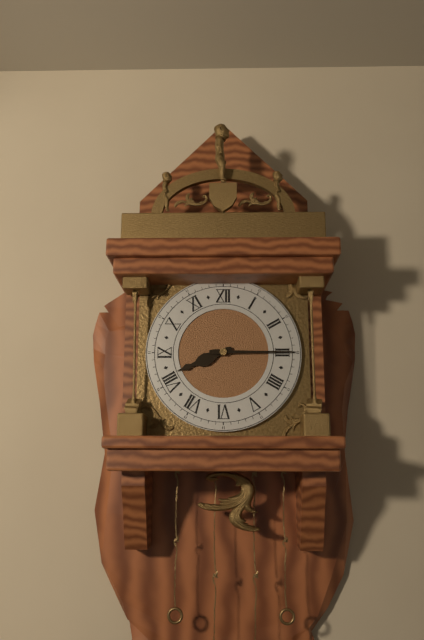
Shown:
8h15
